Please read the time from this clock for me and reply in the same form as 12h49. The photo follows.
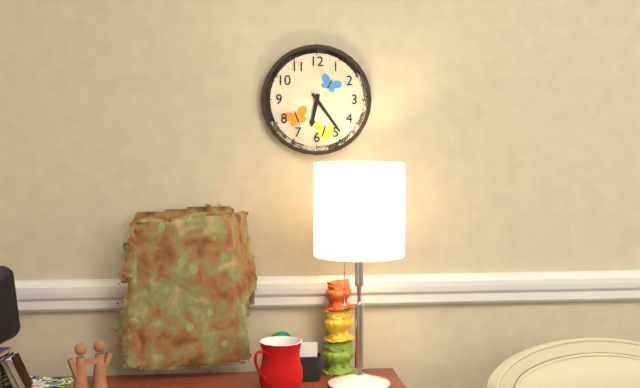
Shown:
6h24
